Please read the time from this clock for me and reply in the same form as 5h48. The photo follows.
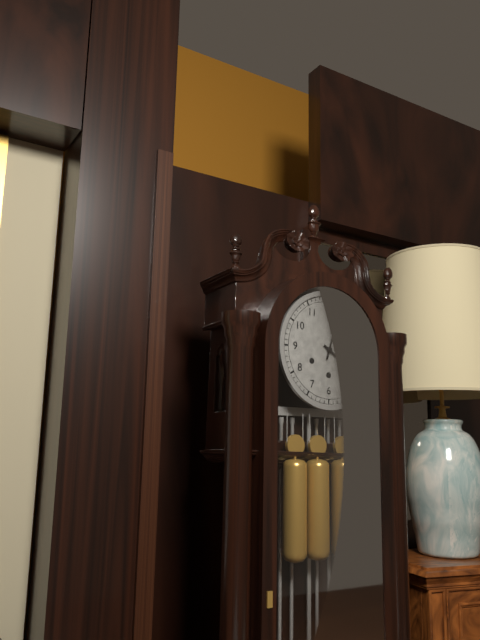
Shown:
4h03
